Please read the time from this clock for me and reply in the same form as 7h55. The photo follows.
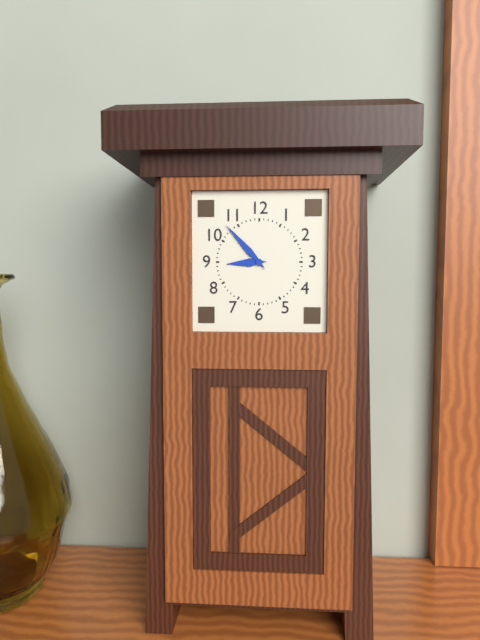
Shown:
8h53
